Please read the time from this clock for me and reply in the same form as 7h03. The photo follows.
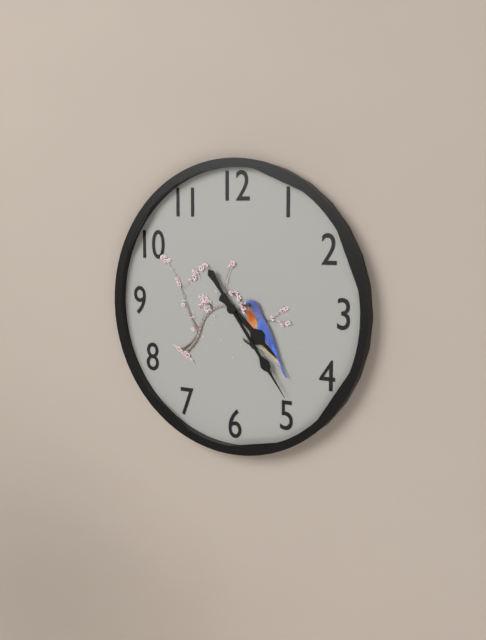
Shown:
4h24
